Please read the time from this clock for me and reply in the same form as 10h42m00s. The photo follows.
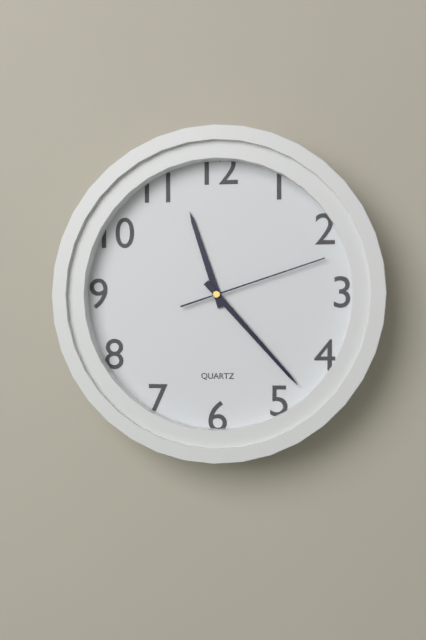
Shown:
11h23m12s
